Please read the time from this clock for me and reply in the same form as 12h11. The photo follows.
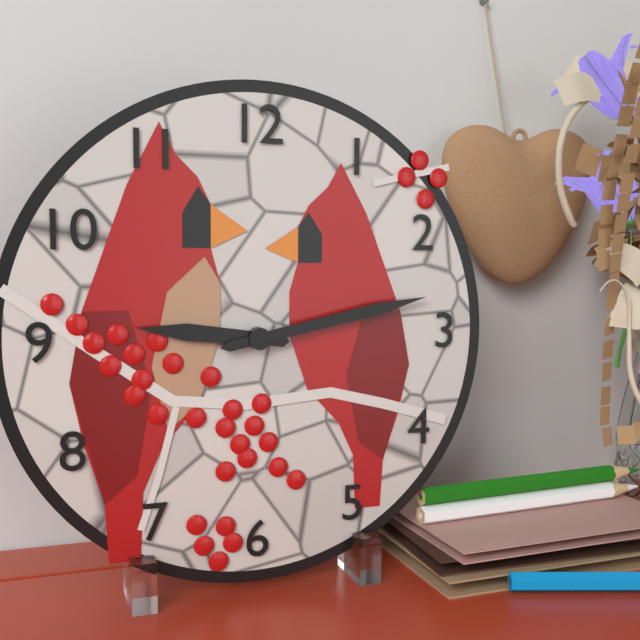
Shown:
9h13
